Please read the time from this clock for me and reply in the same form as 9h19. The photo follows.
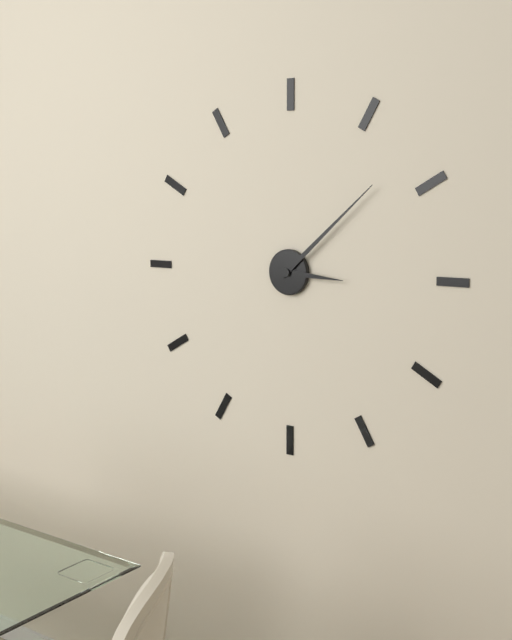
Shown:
3h08
